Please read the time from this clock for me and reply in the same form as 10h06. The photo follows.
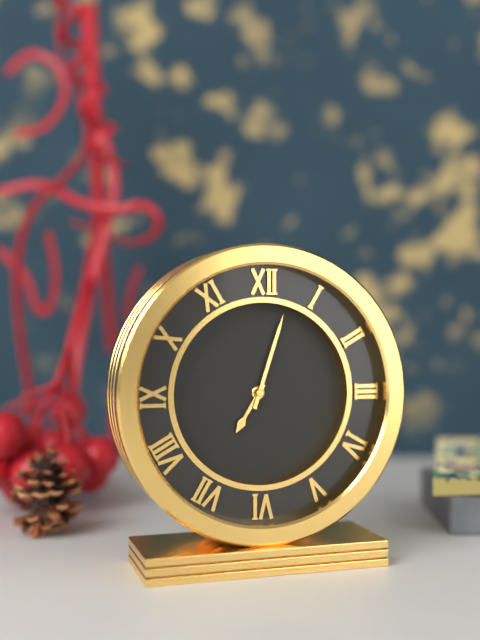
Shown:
7h03
